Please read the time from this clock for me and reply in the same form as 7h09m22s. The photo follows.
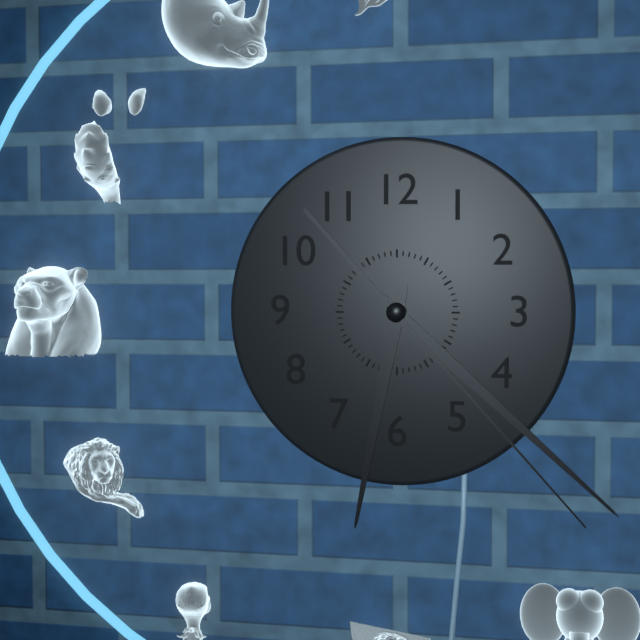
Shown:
6h22m23s
